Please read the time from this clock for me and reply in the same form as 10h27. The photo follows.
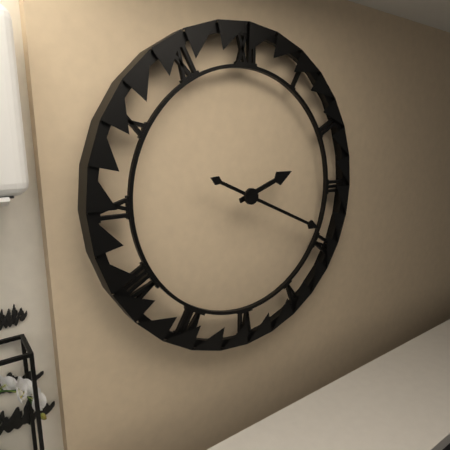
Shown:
2h19
